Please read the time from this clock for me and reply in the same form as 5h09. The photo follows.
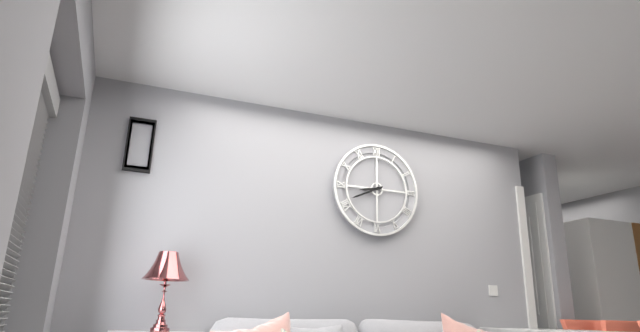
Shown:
8h41
